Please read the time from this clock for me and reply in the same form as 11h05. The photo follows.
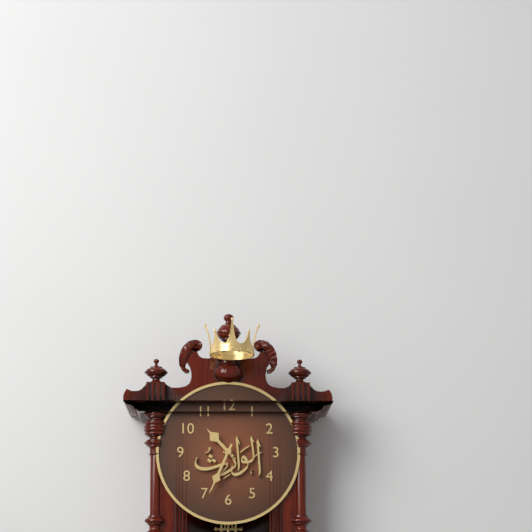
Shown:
10h34
